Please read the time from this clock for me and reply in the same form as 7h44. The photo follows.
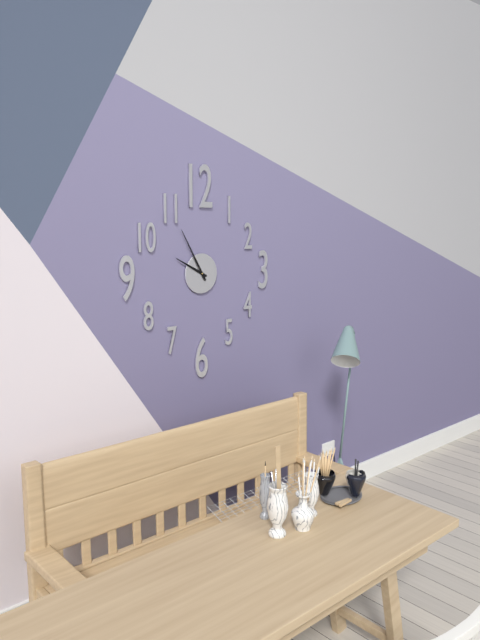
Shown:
9h55
